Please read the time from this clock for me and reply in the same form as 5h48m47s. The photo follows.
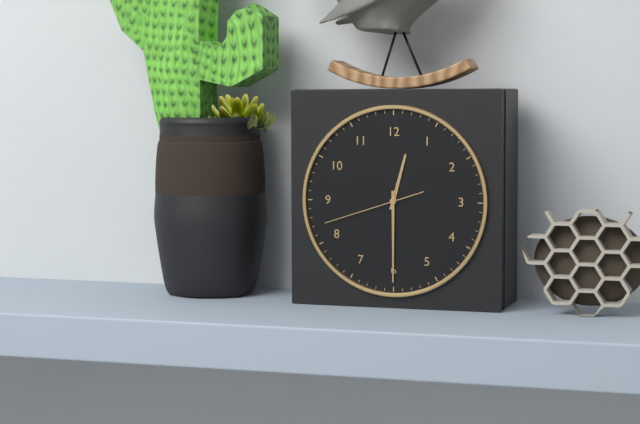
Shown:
12h30m42s
